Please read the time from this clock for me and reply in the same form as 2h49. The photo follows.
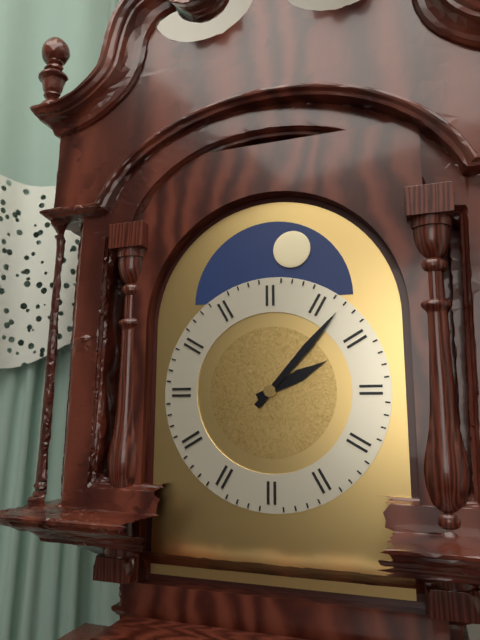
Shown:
2h07
